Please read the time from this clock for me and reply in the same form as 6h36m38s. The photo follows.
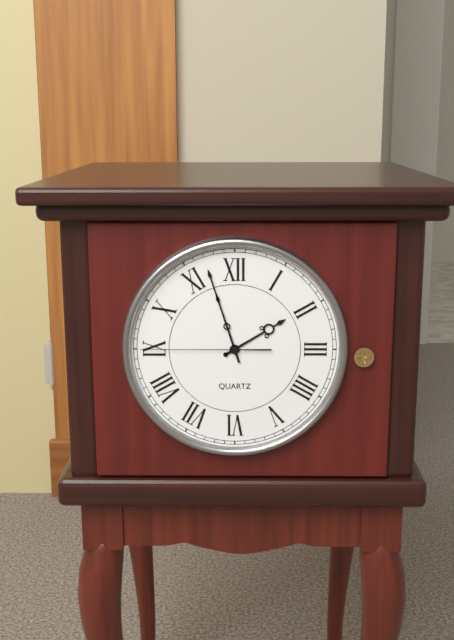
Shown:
1h57m45s
